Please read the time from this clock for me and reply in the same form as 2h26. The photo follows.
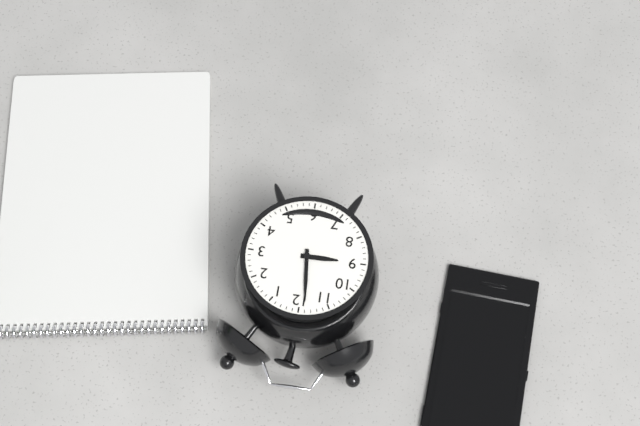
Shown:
8h59
